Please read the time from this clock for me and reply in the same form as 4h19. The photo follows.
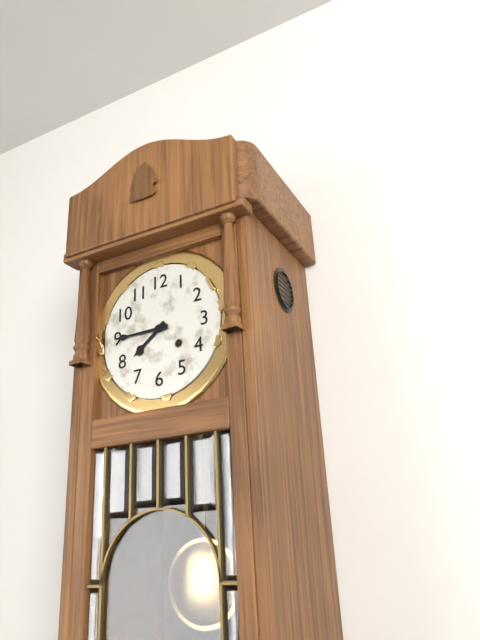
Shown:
7h45
